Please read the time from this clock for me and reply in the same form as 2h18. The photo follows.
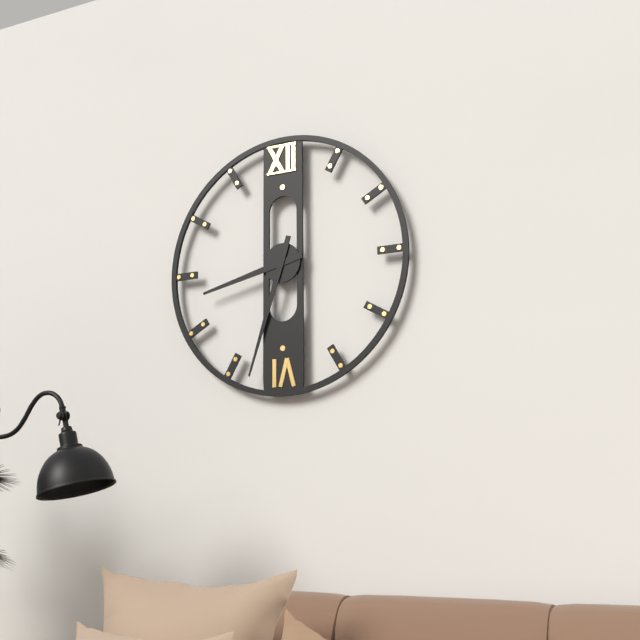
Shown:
8h33
